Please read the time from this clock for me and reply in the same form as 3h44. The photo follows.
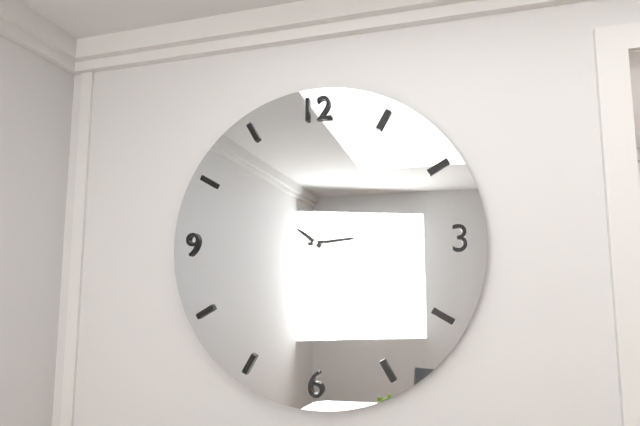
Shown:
10h14
